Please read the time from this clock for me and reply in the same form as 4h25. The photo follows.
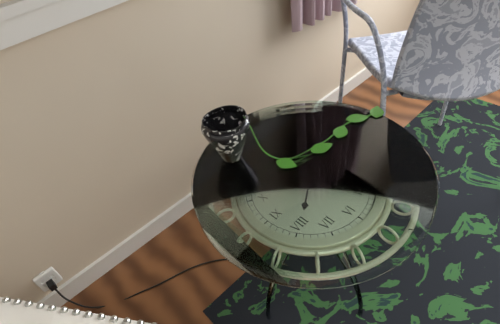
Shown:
7h55
